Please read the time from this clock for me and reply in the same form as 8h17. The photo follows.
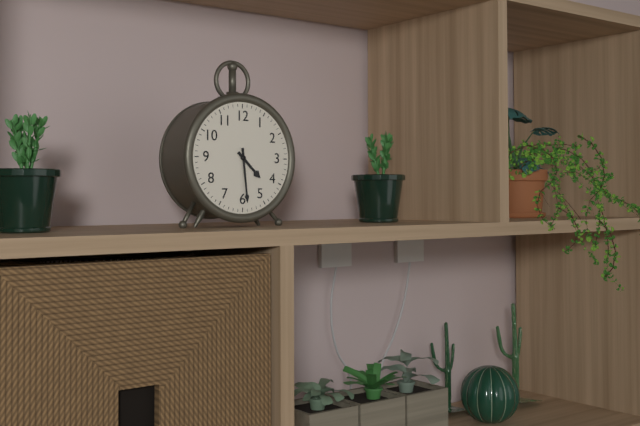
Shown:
4h29
